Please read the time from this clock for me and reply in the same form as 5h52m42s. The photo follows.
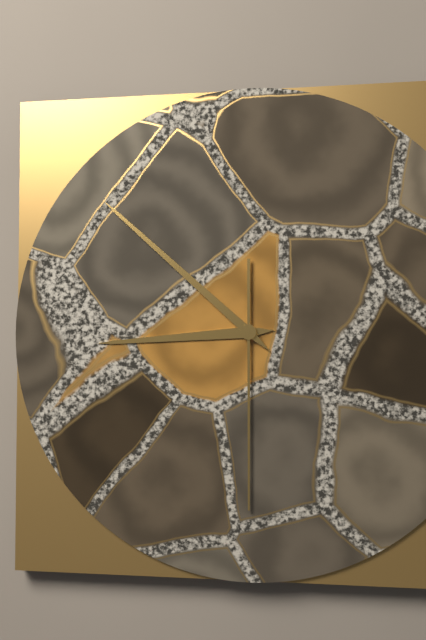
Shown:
8h52m30s
